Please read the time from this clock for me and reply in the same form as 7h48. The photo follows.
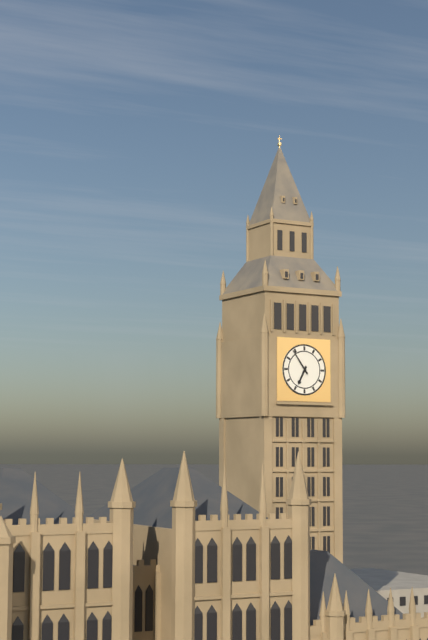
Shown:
6h54
